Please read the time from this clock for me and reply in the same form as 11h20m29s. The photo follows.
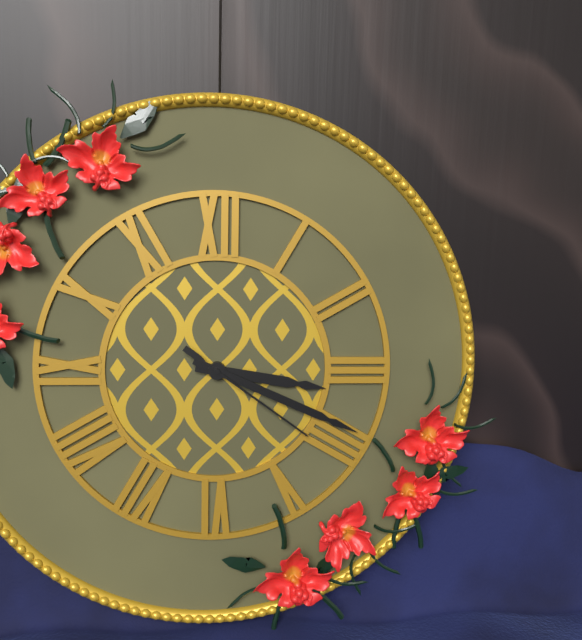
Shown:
3h19m21s
